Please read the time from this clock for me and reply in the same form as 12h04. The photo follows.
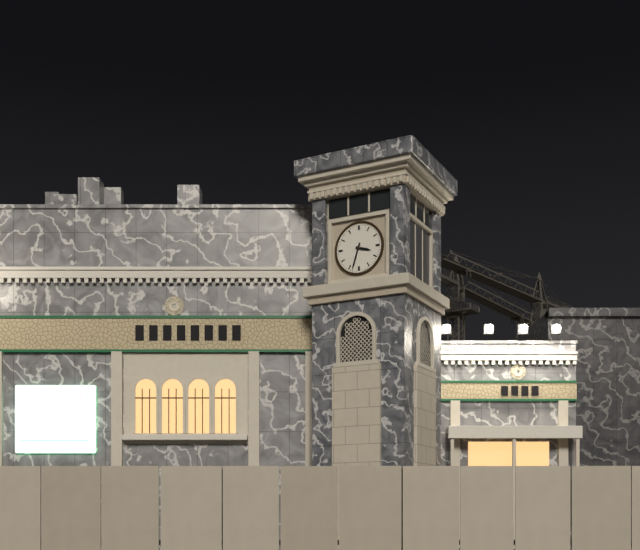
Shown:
3h33
